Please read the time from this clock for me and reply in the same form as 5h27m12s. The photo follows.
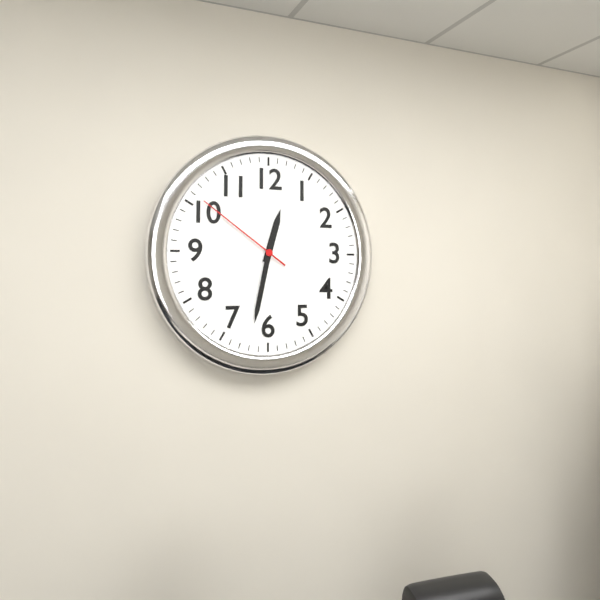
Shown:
12h32m51s
